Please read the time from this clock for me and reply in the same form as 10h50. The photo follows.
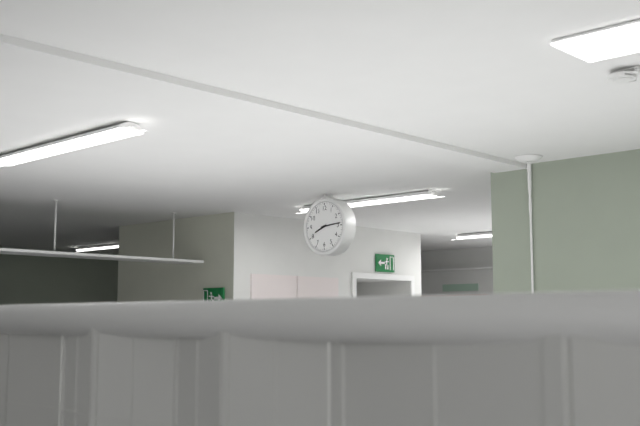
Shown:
8h14
